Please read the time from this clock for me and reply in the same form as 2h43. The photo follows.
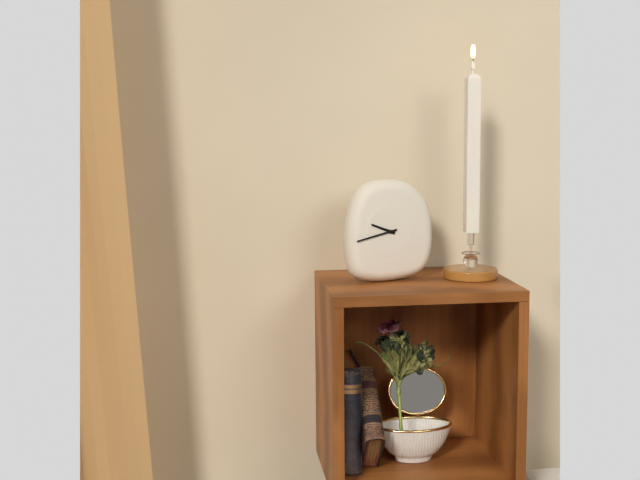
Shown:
9h43
